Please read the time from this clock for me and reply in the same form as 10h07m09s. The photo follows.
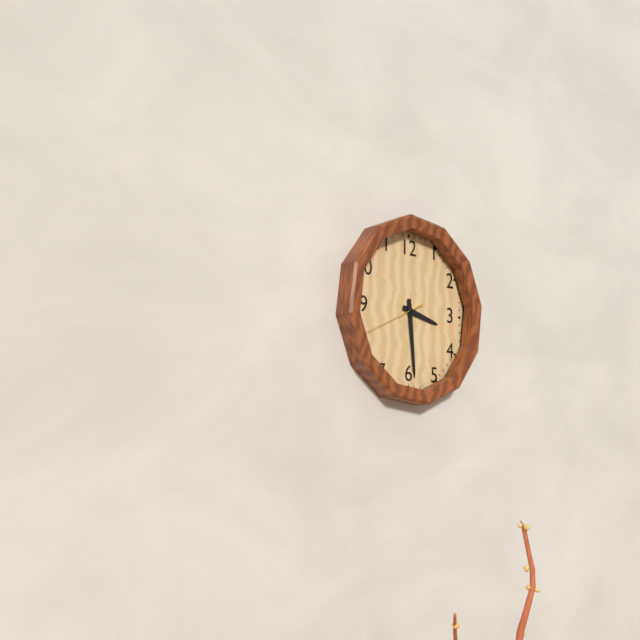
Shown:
3h29m41s
